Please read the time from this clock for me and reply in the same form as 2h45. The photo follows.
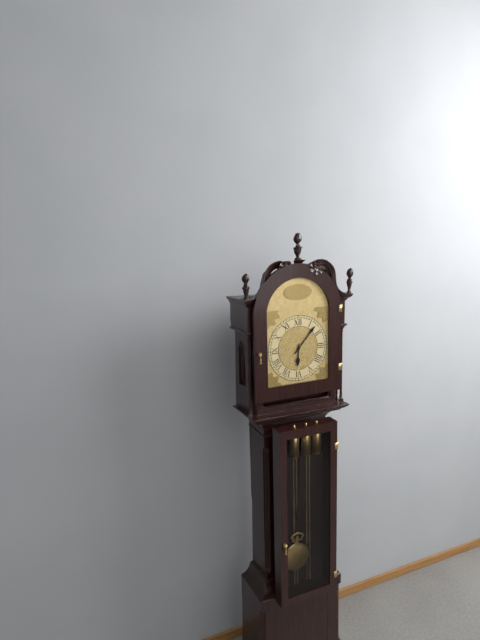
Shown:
6h07
